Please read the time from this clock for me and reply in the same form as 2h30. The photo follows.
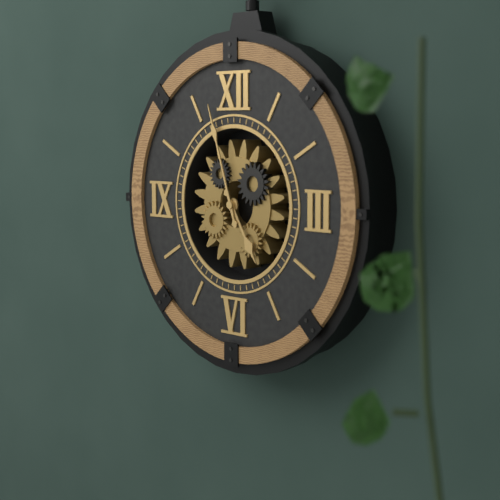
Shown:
4h57
